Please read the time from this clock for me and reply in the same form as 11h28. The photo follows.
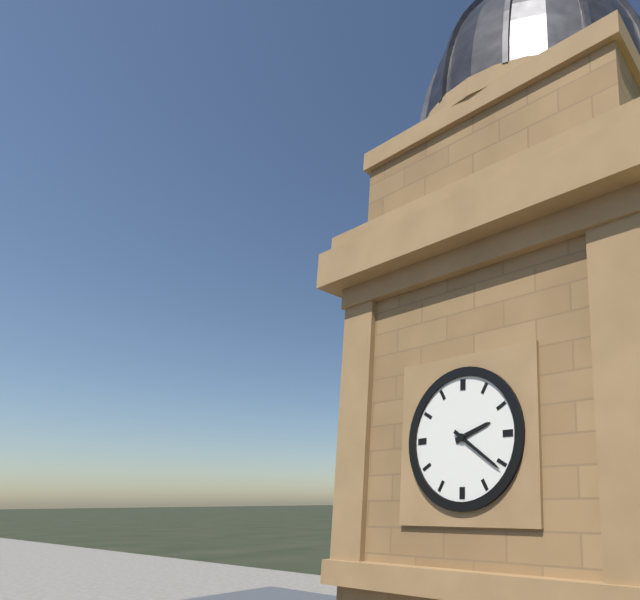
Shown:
2h21
